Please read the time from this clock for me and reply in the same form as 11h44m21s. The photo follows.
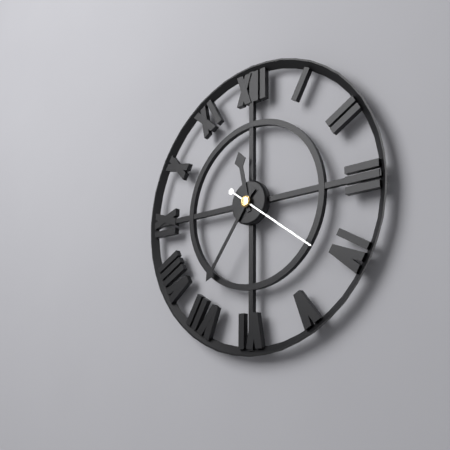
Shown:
11h36m21s
